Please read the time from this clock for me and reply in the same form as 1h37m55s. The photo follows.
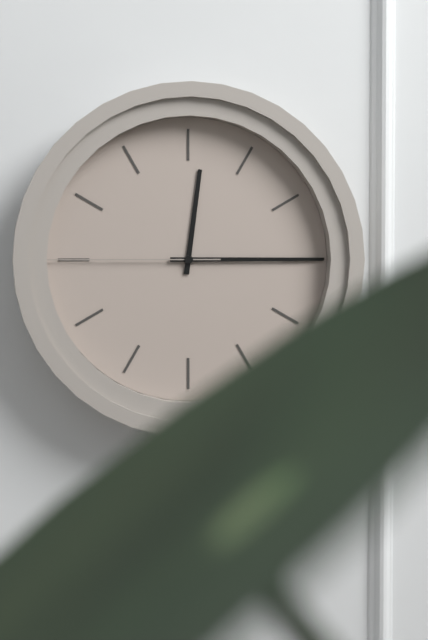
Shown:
12h15m45s
